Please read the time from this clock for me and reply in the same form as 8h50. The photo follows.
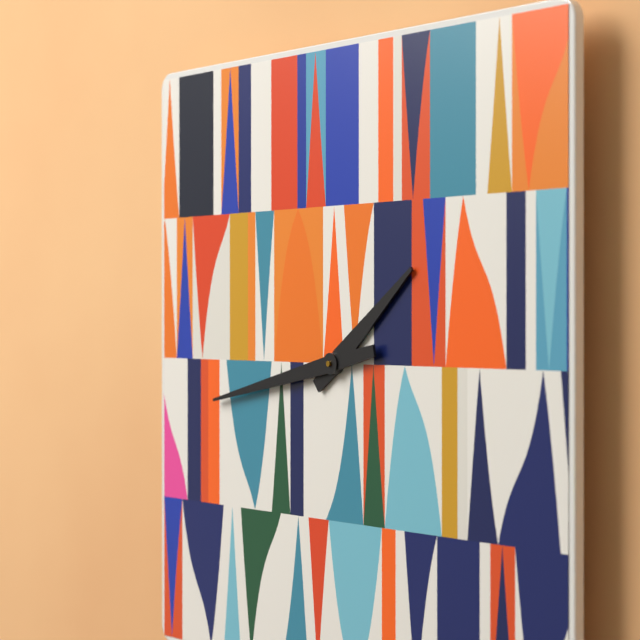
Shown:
1h43
